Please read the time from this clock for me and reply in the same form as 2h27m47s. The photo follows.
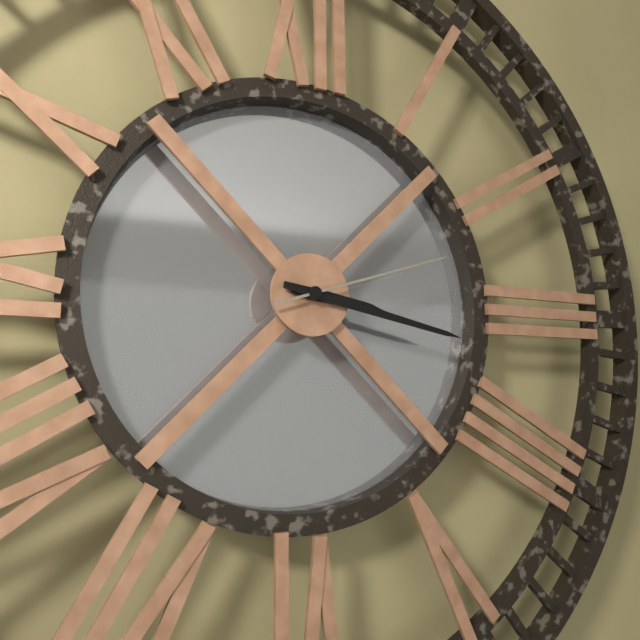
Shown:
3h17m12s
